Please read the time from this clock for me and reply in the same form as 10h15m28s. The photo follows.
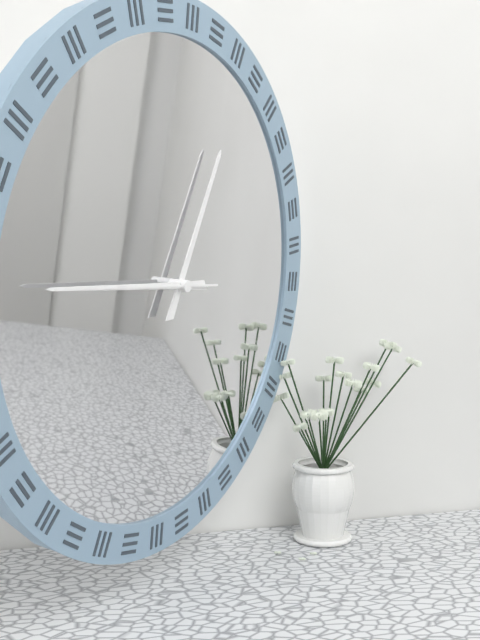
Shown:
12h45m45s
